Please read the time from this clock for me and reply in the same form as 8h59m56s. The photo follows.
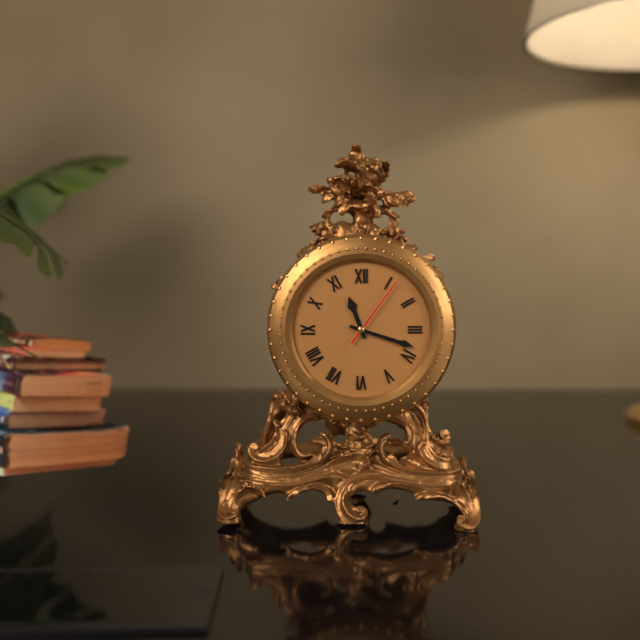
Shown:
11h18m06s
